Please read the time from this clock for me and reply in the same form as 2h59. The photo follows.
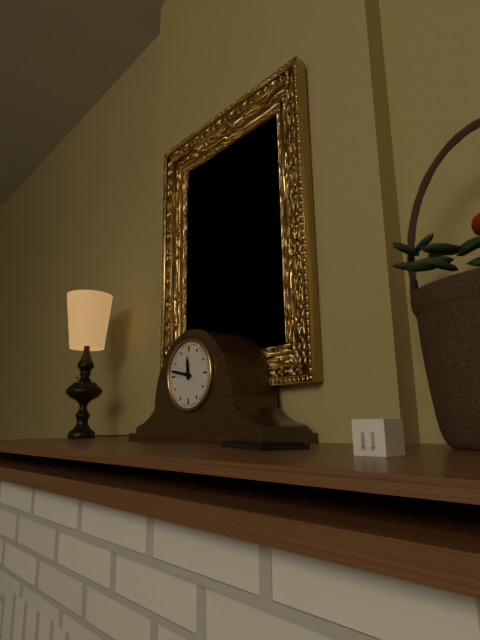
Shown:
11h47
